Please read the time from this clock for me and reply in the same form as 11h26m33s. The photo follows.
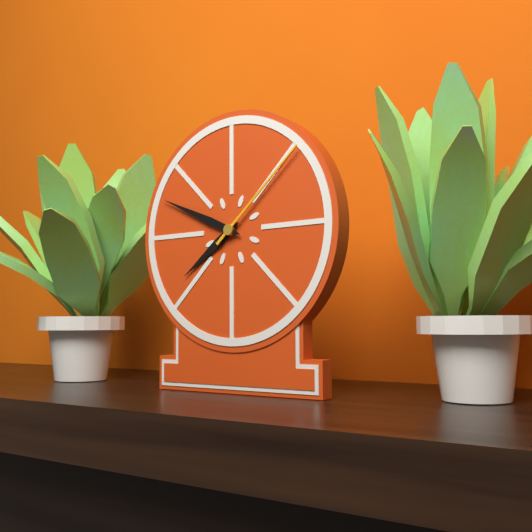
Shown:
7h49m08s
